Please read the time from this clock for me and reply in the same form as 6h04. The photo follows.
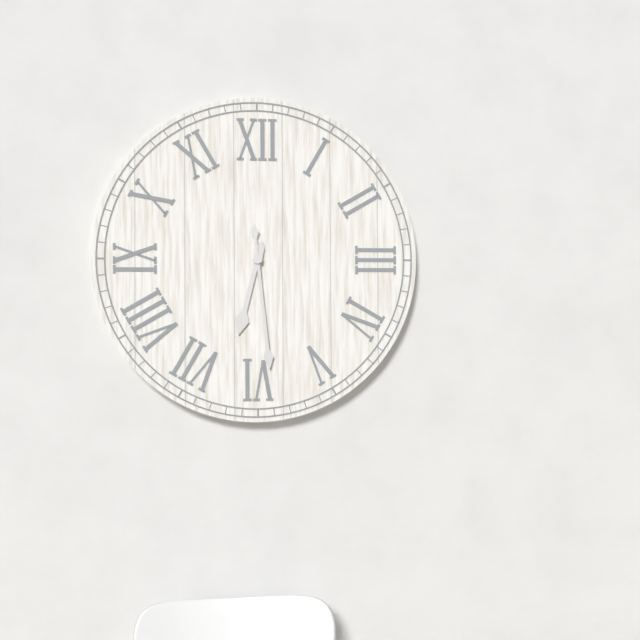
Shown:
6h29
